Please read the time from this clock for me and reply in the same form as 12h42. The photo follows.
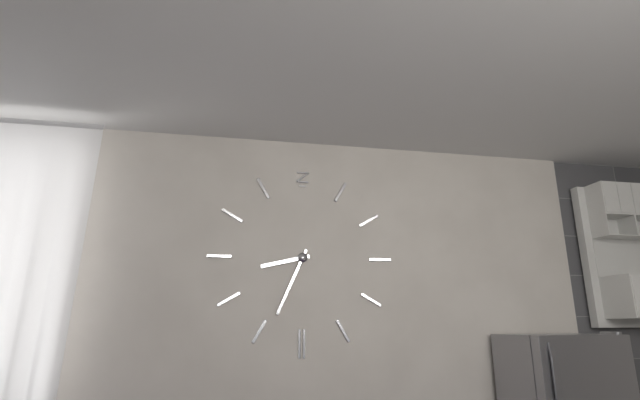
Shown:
8h34
